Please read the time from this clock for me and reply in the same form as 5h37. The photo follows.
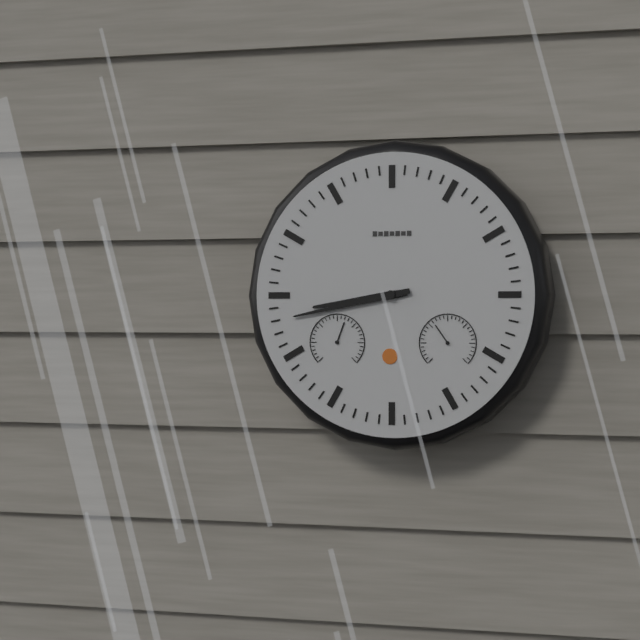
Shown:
8h43
